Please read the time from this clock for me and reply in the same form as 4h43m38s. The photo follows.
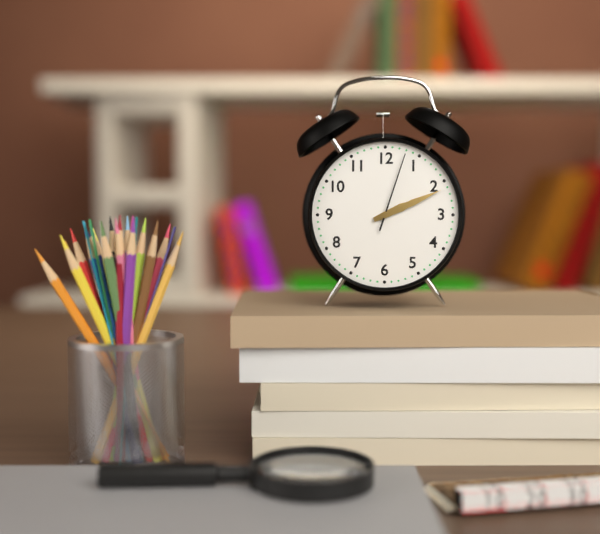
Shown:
2h11m03s
